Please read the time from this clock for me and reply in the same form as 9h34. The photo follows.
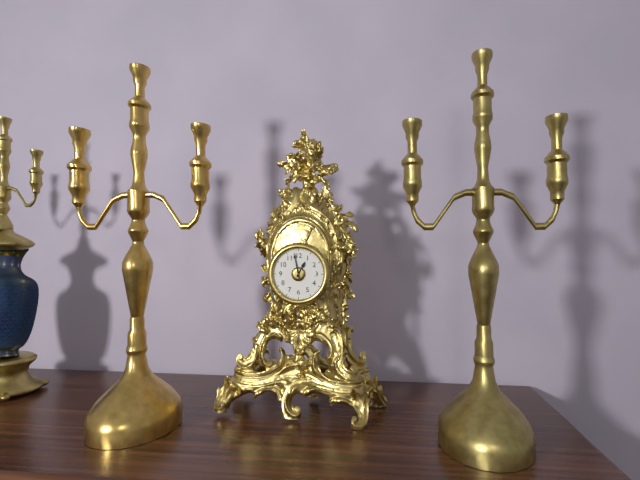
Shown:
12h58
